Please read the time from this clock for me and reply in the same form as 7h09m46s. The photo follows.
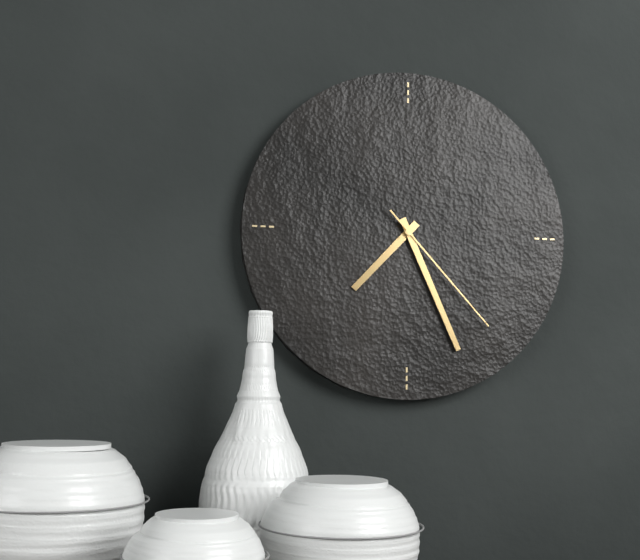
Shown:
7h26m23s
